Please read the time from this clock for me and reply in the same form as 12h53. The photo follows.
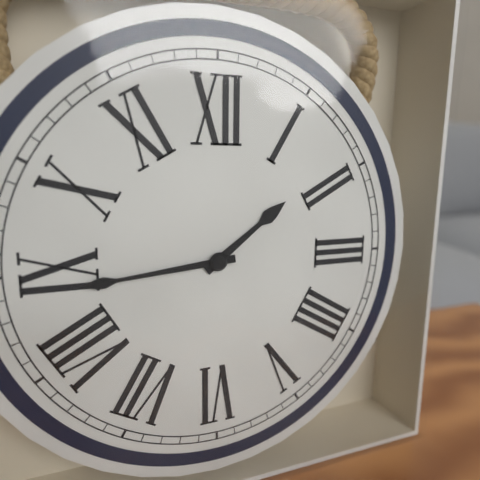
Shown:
1h44
